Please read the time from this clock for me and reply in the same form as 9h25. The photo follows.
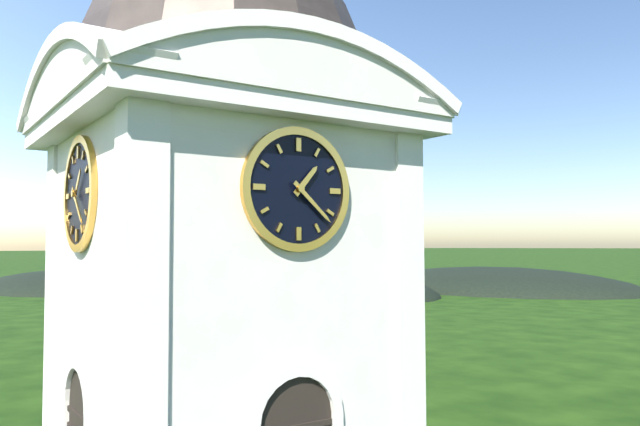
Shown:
1h22
